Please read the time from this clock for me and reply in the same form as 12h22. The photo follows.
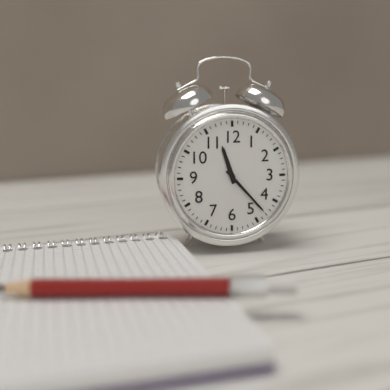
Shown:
11h23
